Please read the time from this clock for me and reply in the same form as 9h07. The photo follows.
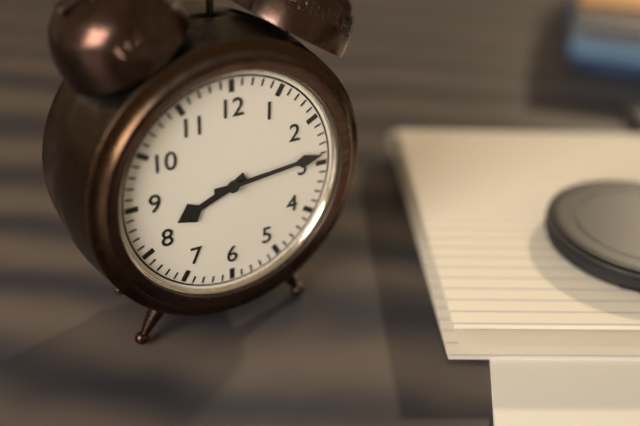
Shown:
8h14
